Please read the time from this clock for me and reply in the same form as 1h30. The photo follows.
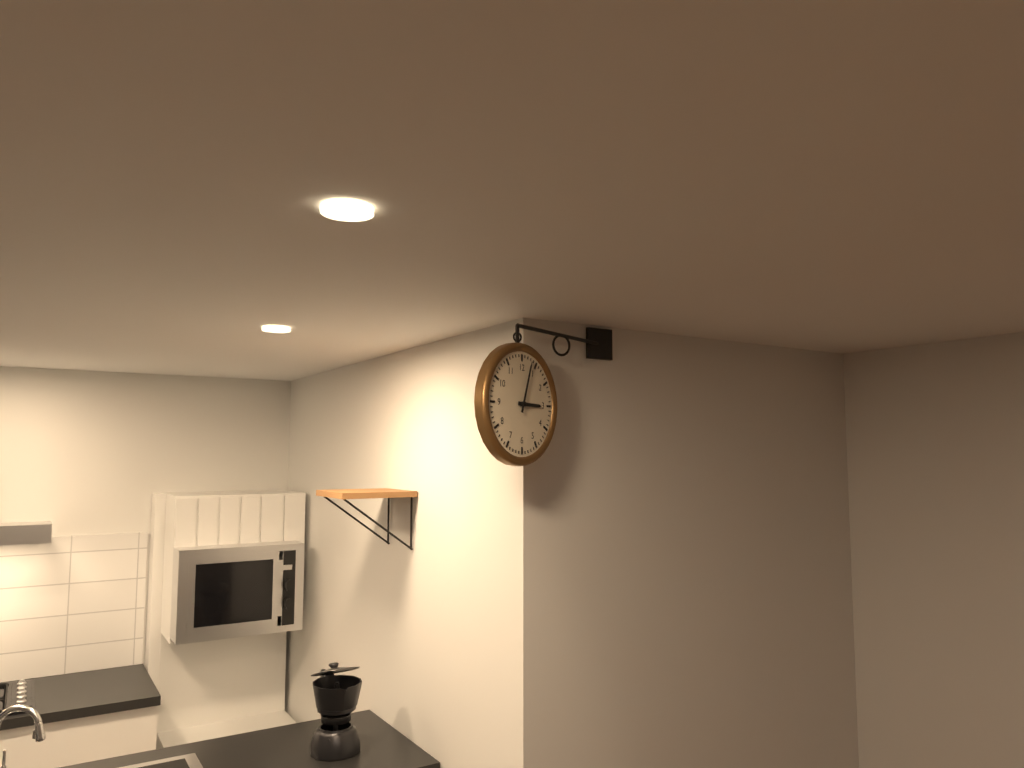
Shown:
3h03
